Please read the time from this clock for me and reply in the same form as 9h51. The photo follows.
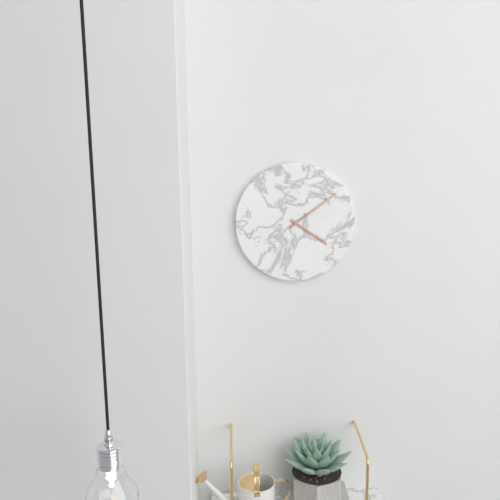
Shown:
4h09
